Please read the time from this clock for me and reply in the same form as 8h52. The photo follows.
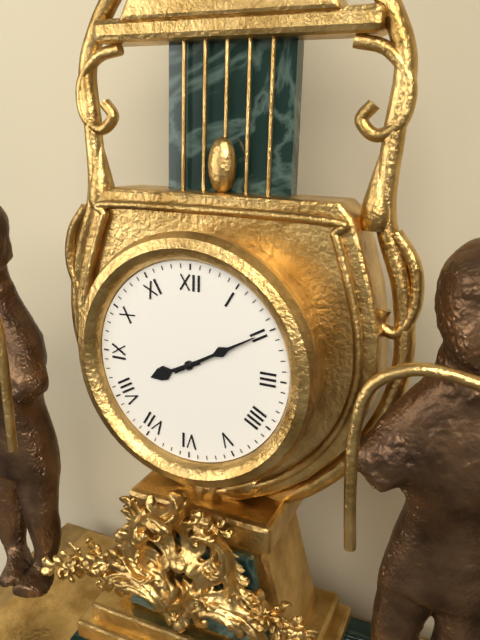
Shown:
8h10
